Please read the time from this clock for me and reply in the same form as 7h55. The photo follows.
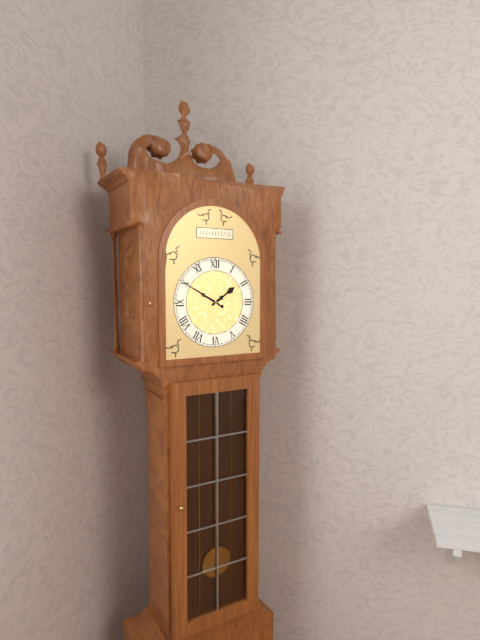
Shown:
1h50
